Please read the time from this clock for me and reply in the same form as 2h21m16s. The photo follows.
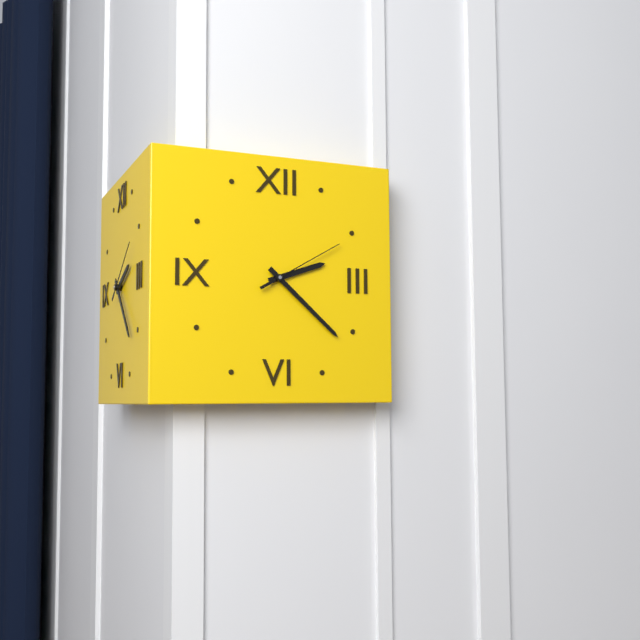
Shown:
2h22m10s
